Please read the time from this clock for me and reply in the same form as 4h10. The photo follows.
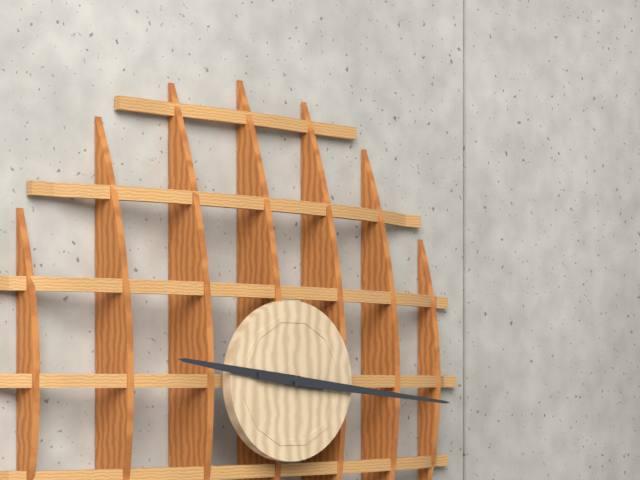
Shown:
9h16
